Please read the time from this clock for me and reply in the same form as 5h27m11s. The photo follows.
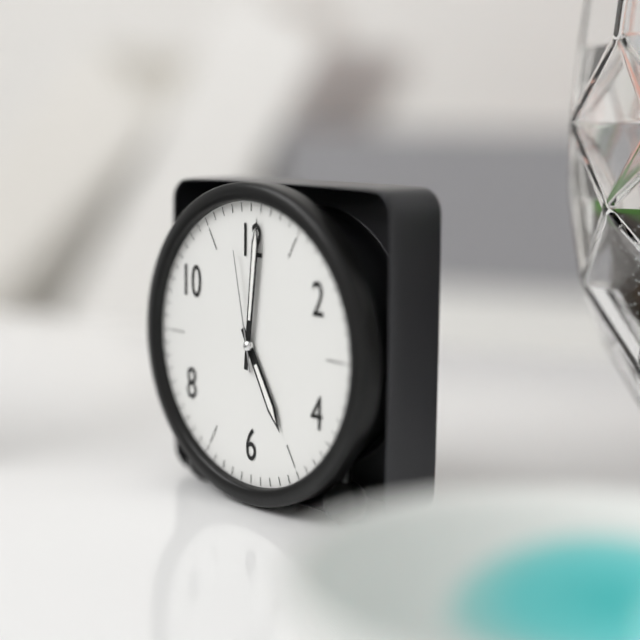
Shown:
5h01m58s
